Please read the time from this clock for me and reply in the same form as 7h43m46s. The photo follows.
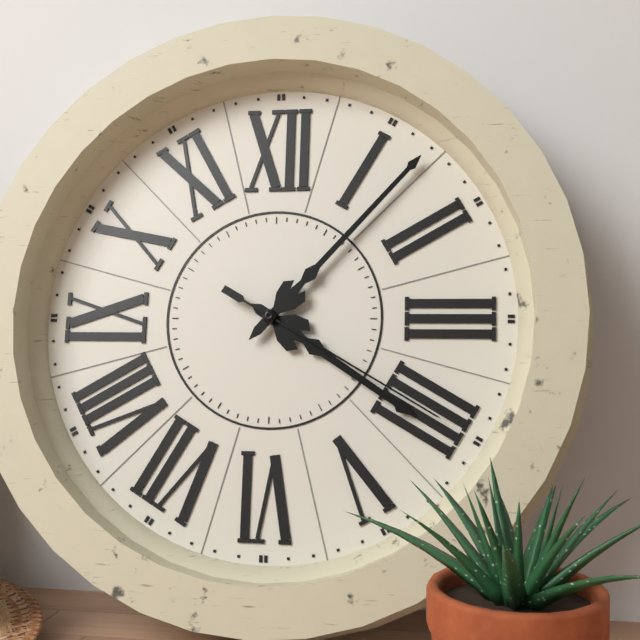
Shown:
4h07m20s
